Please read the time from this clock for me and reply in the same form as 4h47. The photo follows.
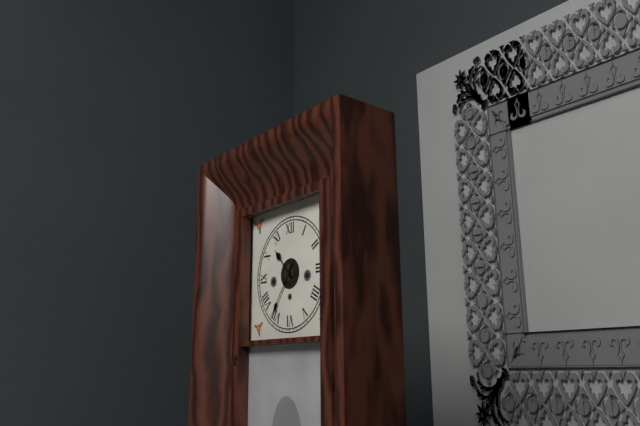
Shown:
10h36
